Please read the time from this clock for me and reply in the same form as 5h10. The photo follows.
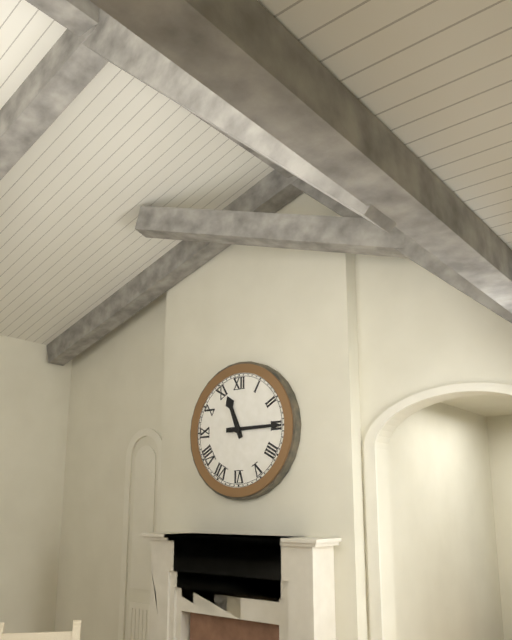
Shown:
11h15
